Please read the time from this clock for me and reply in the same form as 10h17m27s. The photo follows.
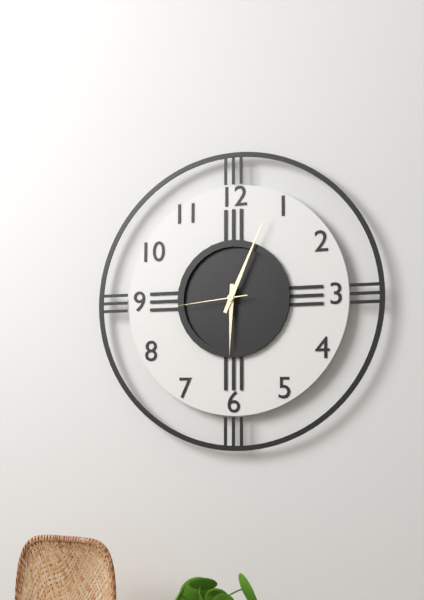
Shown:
6h04m44s
